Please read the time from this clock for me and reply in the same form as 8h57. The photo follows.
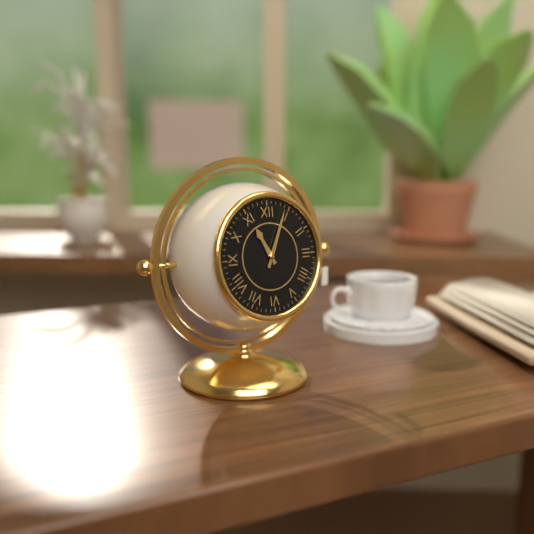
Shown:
11h04
